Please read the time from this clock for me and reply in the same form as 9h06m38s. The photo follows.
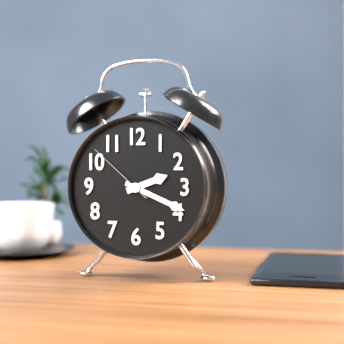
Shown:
2h19m52s
